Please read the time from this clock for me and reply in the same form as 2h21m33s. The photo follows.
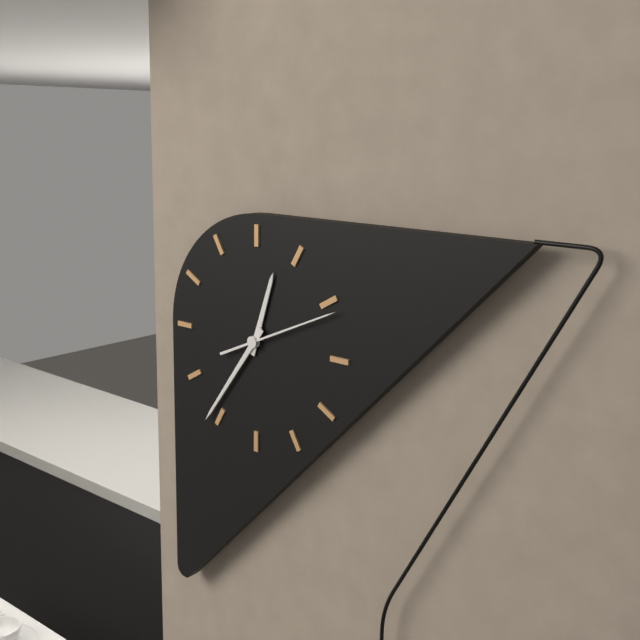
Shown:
12h36m11s
